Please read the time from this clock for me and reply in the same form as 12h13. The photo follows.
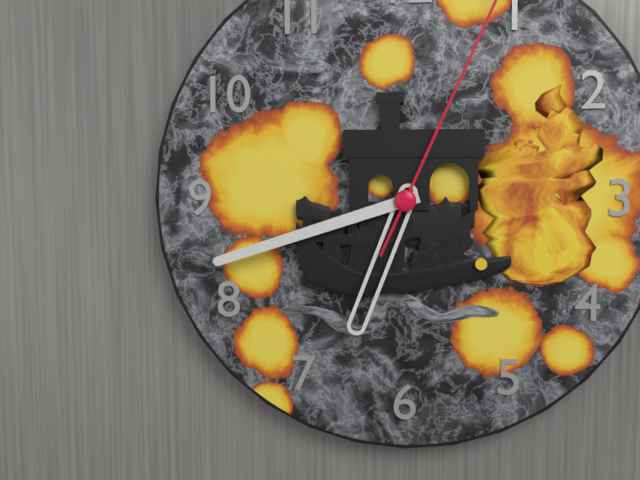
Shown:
6h42
